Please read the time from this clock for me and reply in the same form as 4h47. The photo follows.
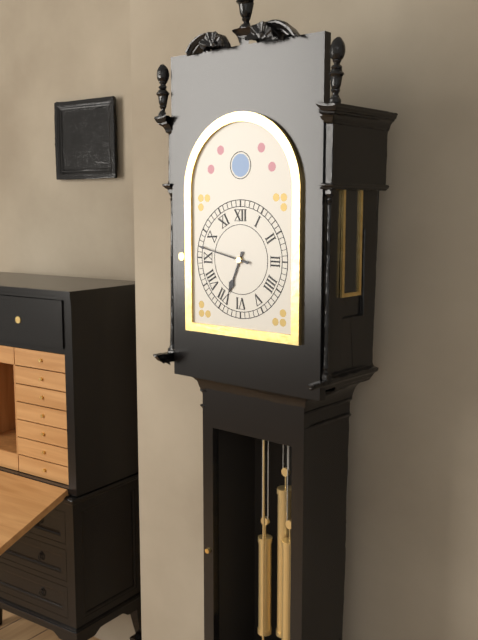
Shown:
6h47
